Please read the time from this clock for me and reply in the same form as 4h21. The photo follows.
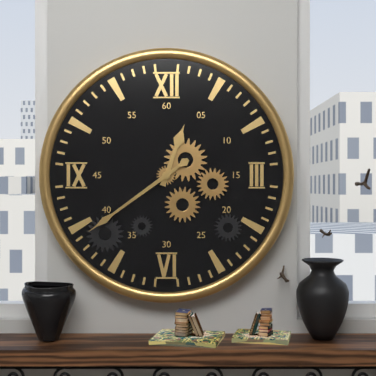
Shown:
12h39
